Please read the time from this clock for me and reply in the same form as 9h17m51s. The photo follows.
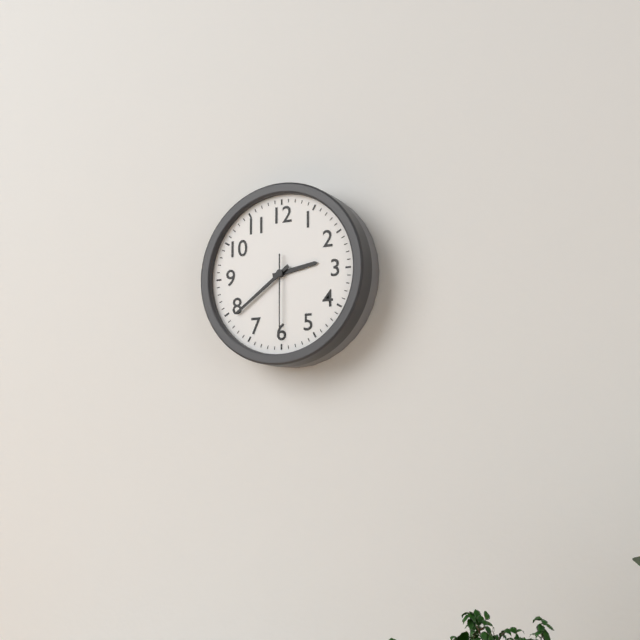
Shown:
2h39m30s
